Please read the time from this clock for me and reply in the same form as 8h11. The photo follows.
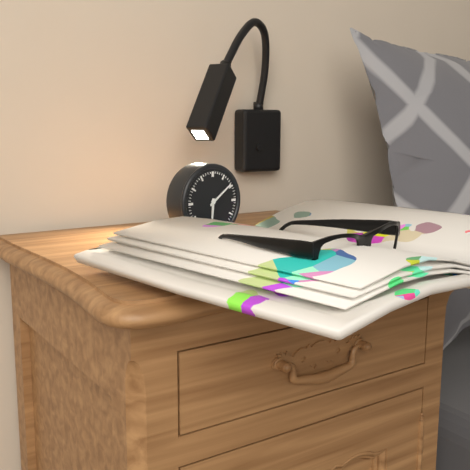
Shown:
6h09
